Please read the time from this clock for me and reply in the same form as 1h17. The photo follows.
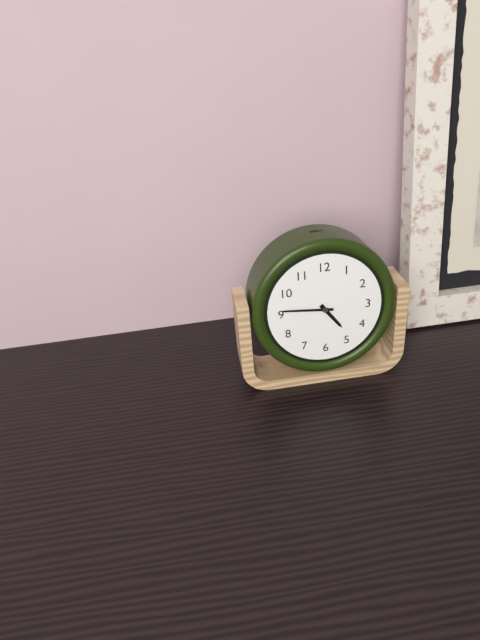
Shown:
4h46
